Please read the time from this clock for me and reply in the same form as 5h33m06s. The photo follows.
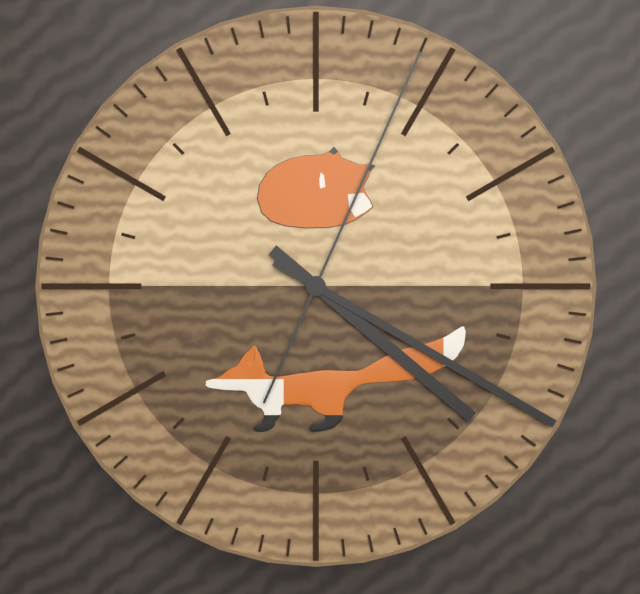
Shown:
4h20m04s
